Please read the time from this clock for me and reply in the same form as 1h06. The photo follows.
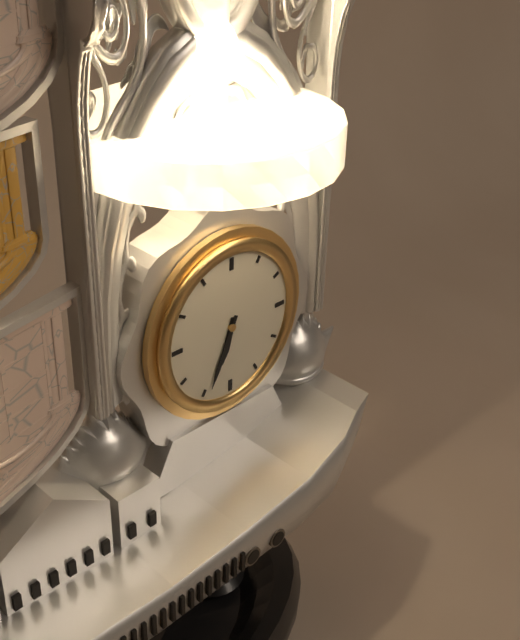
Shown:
6h34
